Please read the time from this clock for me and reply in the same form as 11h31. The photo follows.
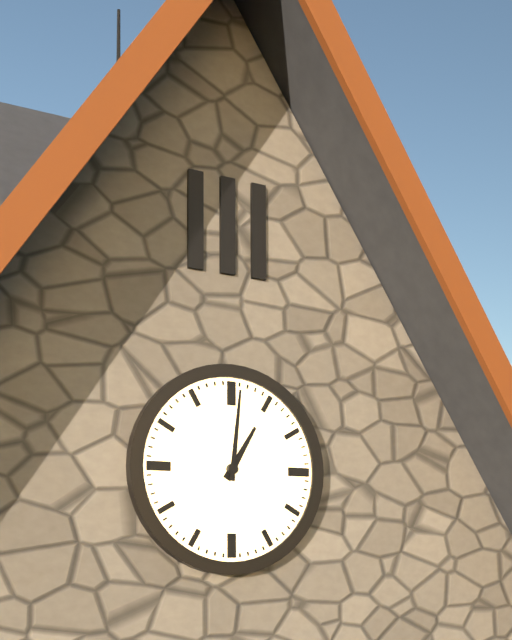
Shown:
1h01
